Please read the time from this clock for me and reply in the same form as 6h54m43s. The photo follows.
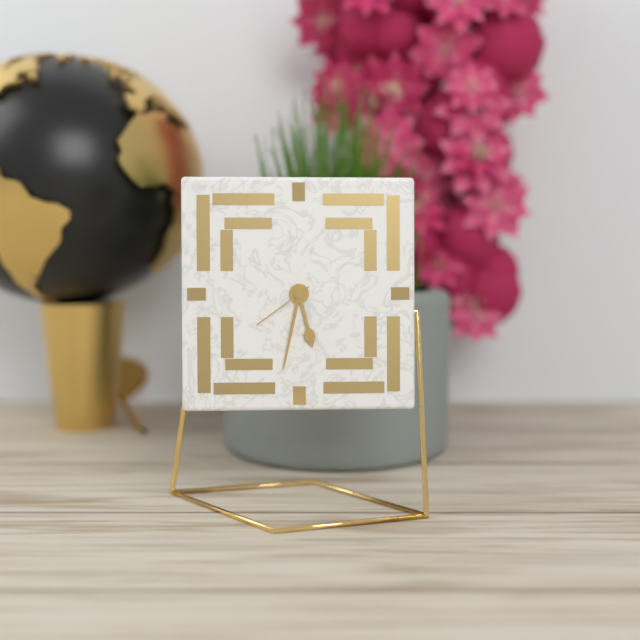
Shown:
5h32m39s
